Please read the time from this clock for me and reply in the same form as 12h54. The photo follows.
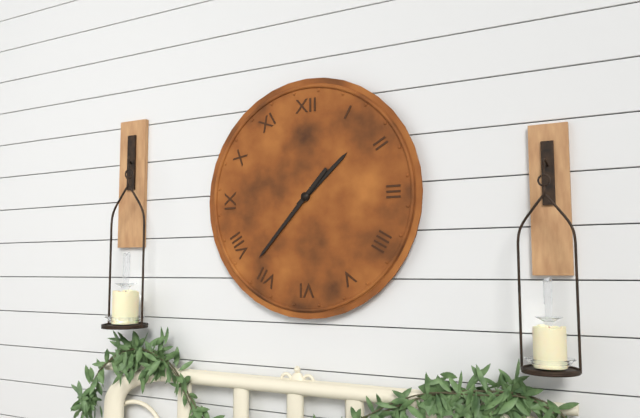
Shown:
1h37
